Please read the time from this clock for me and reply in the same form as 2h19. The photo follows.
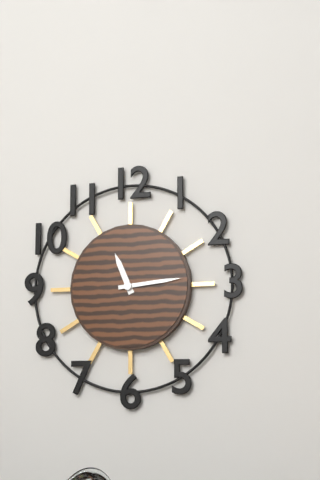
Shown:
11h14
